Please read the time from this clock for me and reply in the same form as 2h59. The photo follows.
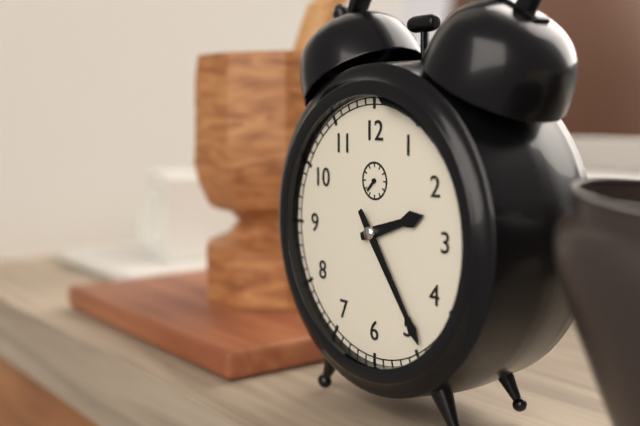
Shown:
2h24
